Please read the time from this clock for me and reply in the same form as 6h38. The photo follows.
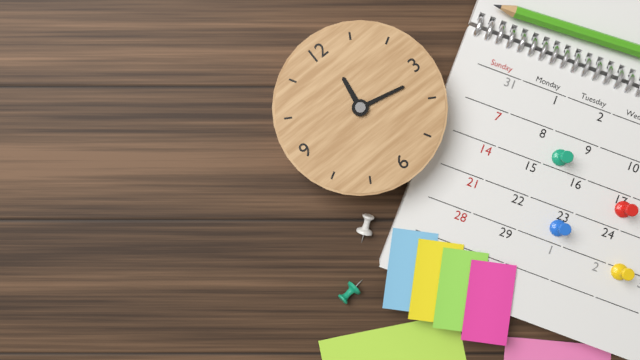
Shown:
12h17
